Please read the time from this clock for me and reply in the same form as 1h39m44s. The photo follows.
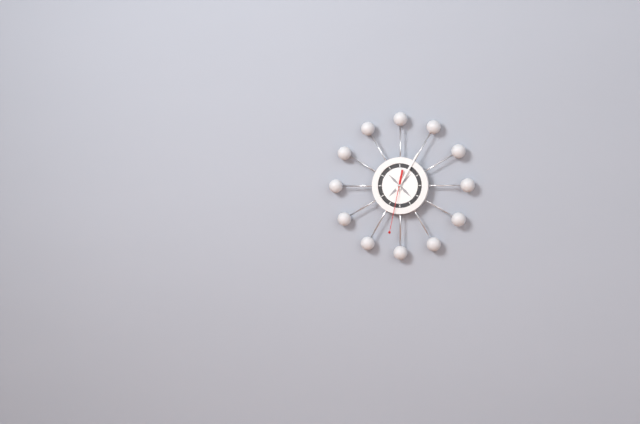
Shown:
12h05m32s
